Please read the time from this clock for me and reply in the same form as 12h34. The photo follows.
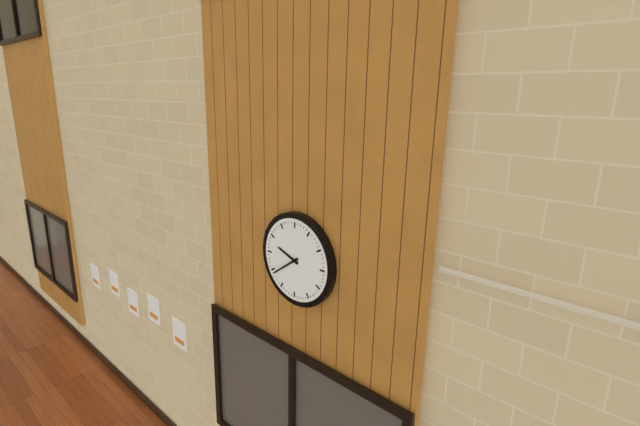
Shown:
9h39
